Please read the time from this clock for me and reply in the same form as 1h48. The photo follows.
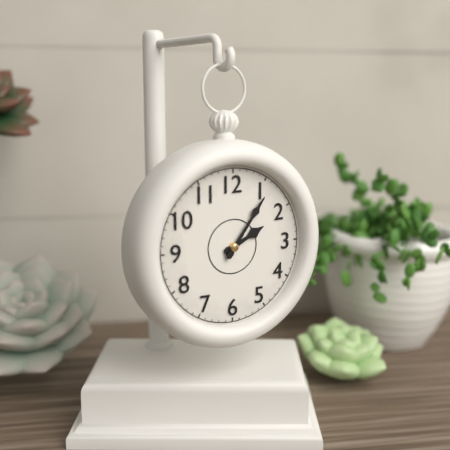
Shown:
2h06
